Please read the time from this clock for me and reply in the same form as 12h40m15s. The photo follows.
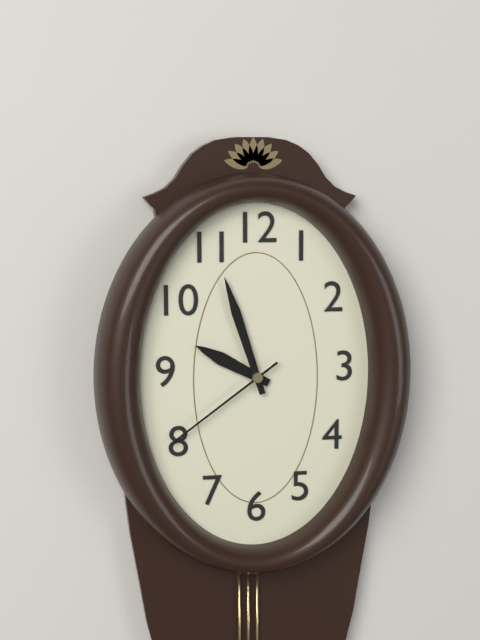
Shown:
9h57m39s
